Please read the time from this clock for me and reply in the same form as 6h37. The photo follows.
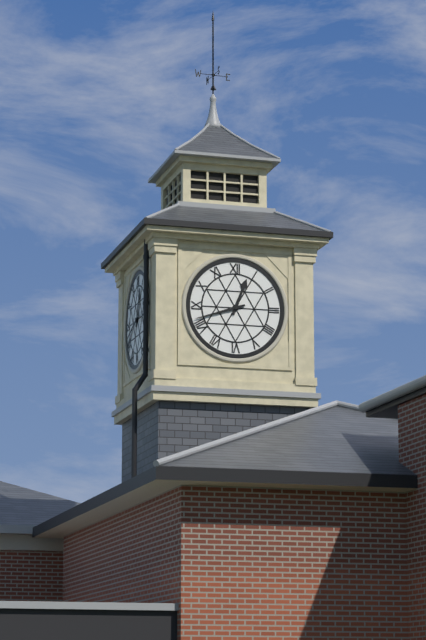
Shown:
12h42
